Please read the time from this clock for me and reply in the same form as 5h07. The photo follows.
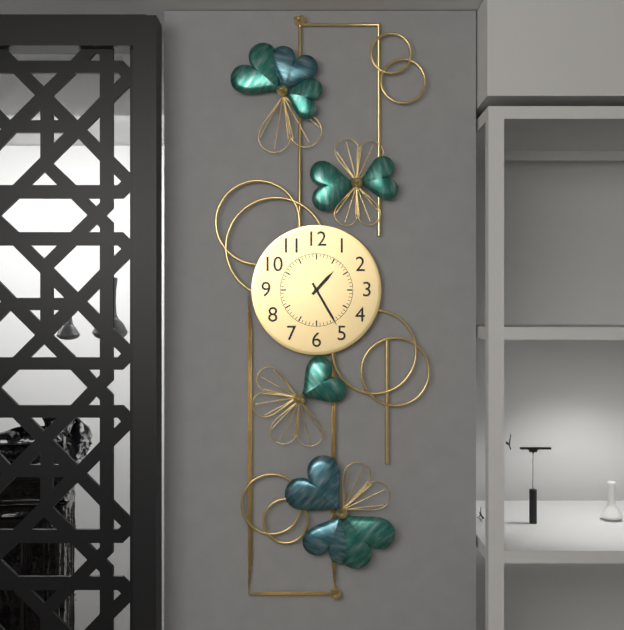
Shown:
1h25
